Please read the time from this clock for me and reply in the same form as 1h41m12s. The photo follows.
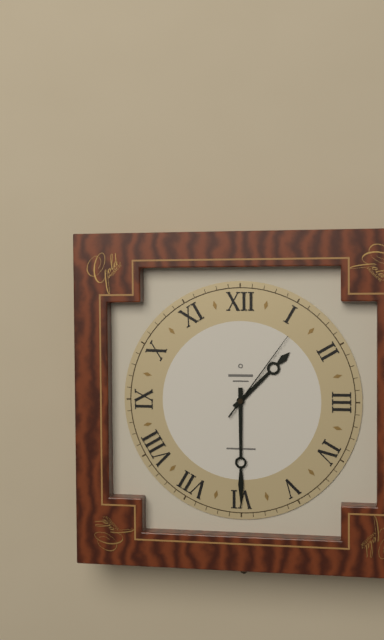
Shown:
1h30m06s
